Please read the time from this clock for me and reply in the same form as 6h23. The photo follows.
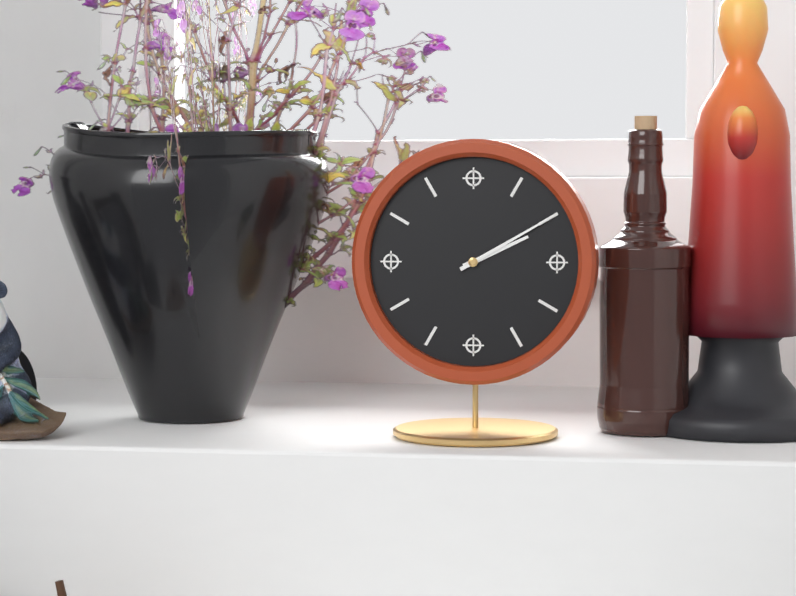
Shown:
2h10
